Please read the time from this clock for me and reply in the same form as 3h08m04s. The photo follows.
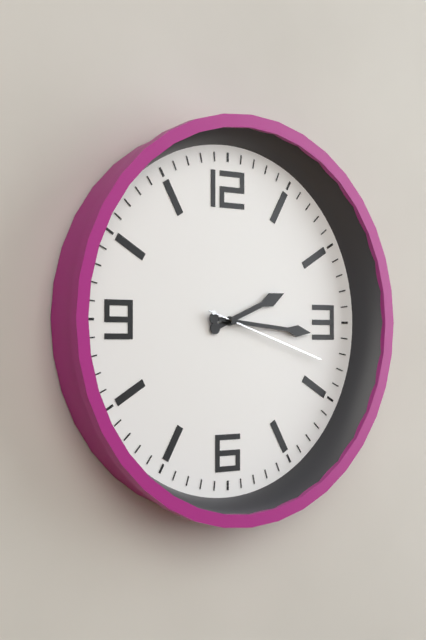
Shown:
2h16m18s
